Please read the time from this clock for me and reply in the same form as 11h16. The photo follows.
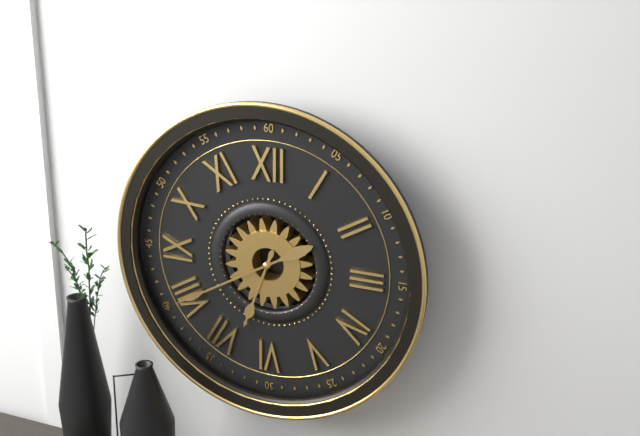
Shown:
6h40
